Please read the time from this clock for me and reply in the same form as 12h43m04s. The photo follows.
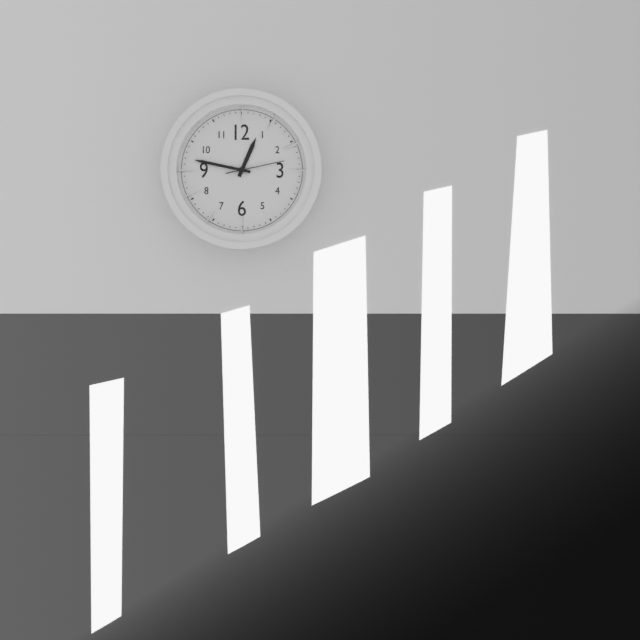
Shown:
12h47m13s
